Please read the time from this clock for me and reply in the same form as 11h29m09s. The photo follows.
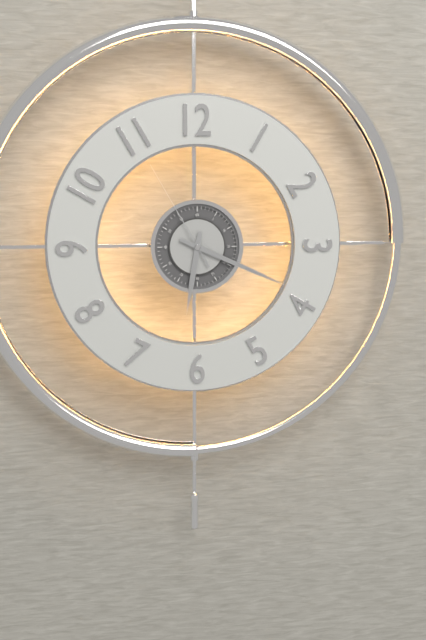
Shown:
6h19m55s
